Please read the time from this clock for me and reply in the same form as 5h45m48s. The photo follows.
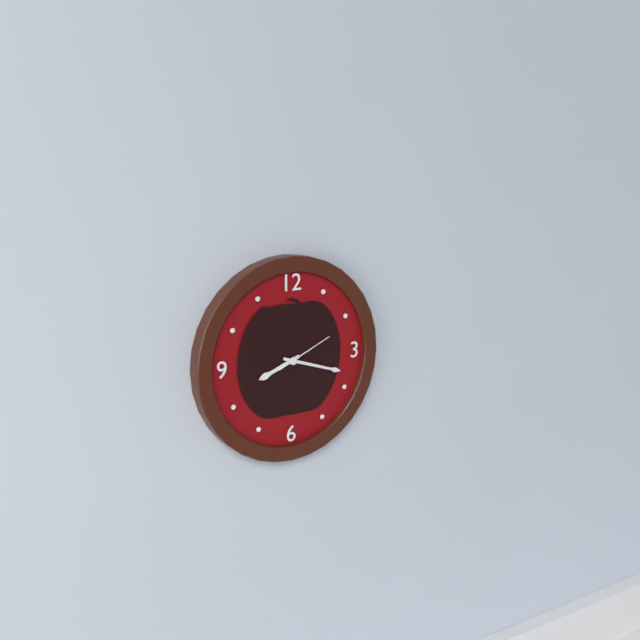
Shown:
8h18m11s
